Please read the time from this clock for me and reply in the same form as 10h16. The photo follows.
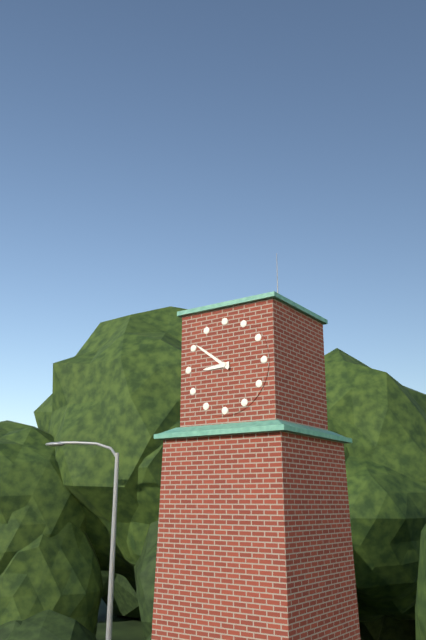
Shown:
8h51
